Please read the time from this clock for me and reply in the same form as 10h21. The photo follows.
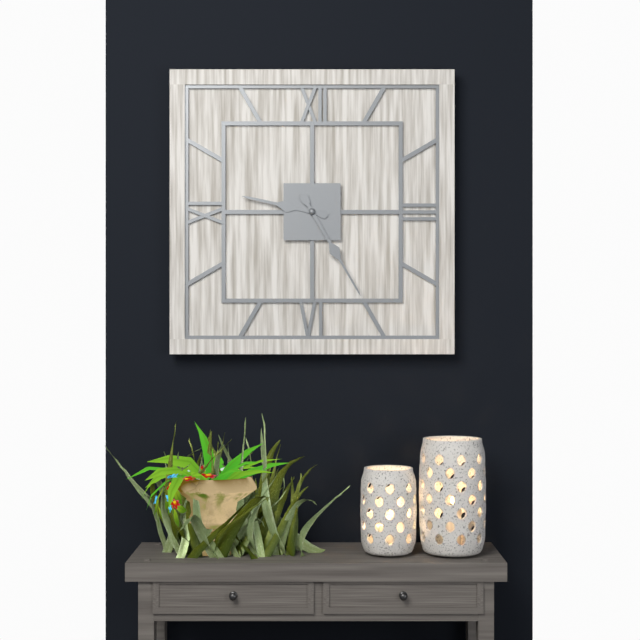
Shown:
9h25
